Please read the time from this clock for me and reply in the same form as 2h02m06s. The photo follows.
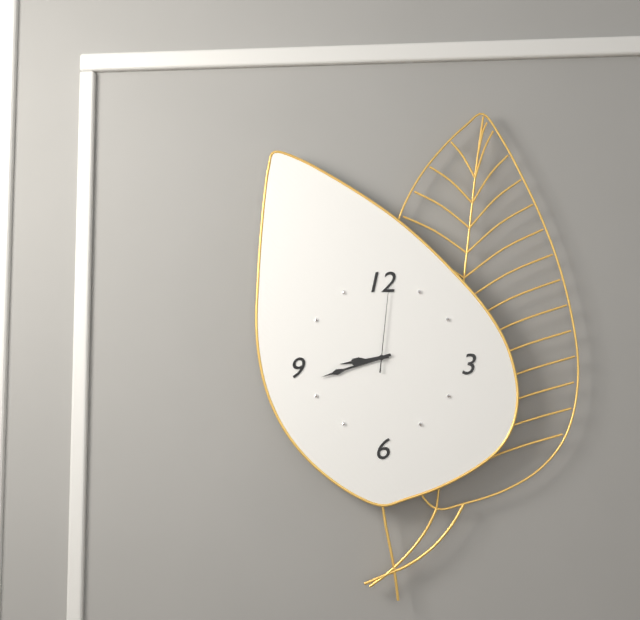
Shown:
8h42m01s
